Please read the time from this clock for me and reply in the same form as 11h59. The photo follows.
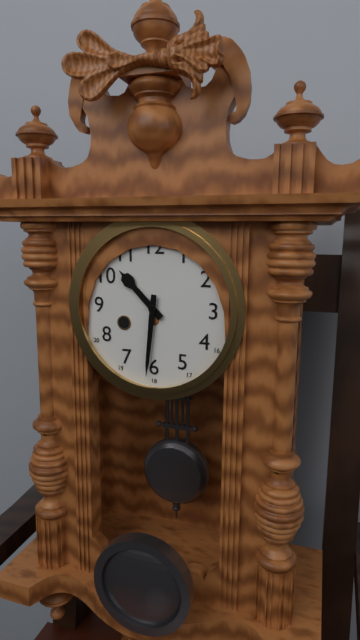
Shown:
10h31
